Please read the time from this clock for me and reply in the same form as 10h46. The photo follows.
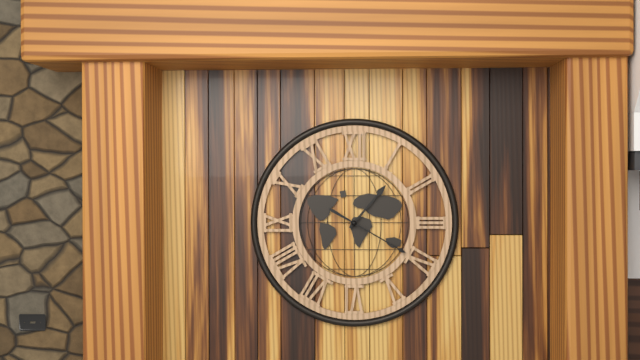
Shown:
1h20
